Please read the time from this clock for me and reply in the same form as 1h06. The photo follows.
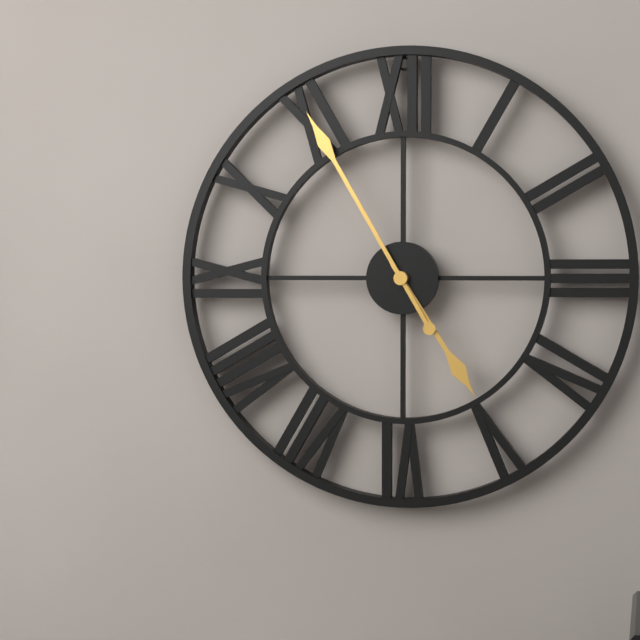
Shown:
4h55
